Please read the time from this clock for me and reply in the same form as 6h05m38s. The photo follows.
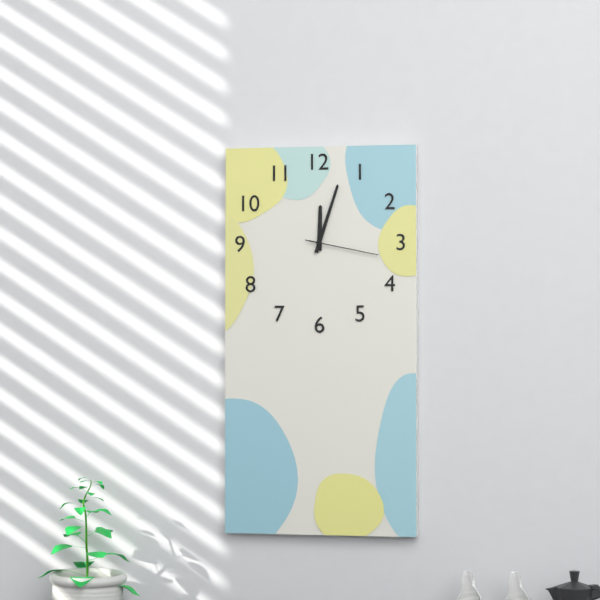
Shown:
12h03m17s
